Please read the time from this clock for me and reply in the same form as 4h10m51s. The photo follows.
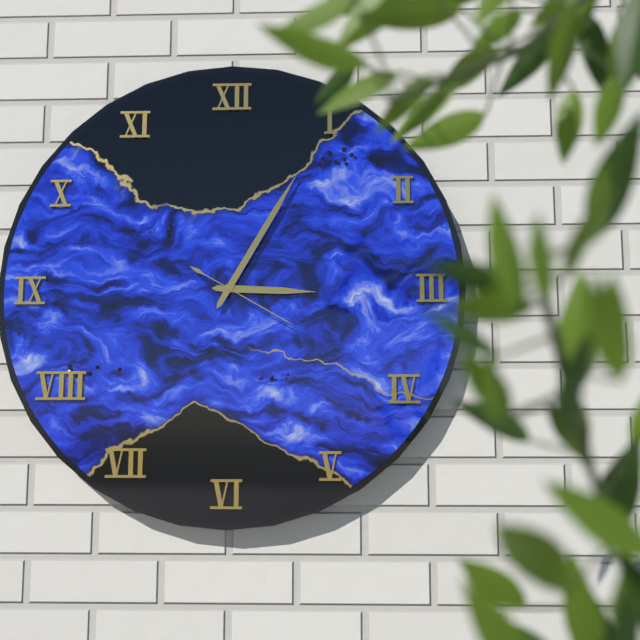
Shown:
3h05m20s
